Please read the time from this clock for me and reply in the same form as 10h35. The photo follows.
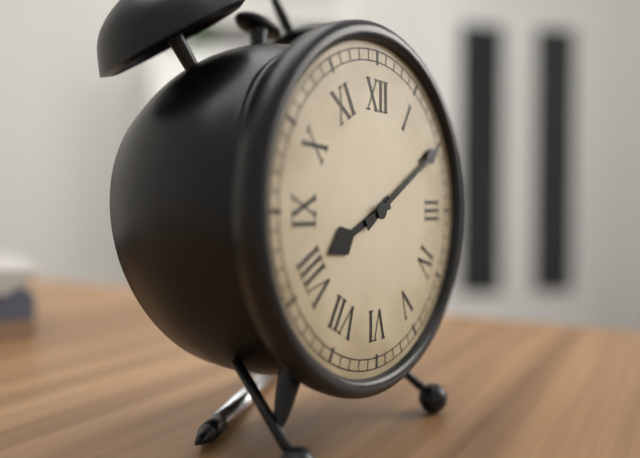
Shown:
8h10
